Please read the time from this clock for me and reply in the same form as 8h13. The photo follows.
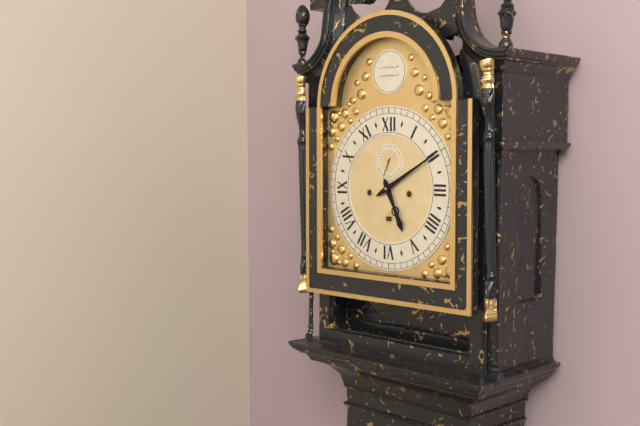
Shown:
5h10
